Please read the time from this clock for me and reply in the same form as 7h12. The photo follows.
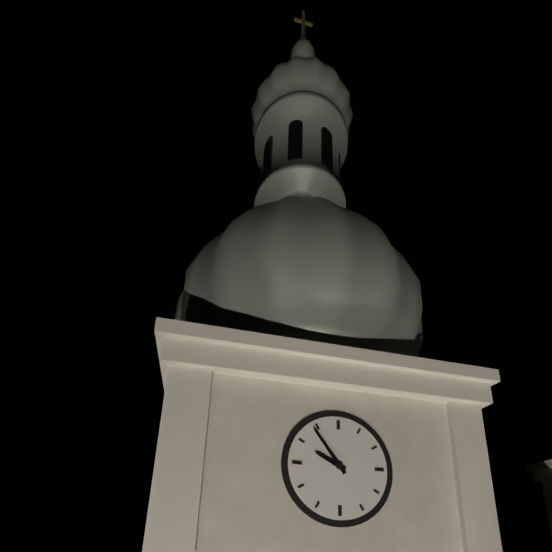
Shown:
9h54
